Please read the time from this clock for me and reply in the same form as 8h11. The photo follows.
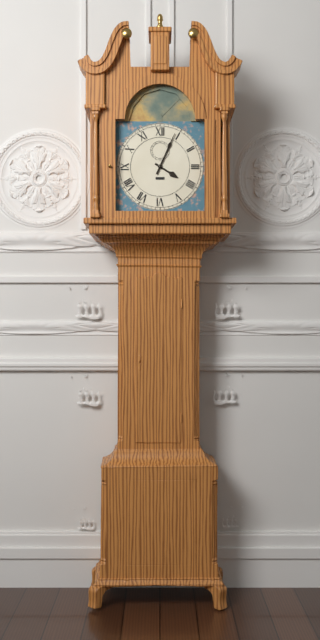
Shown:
4h04
